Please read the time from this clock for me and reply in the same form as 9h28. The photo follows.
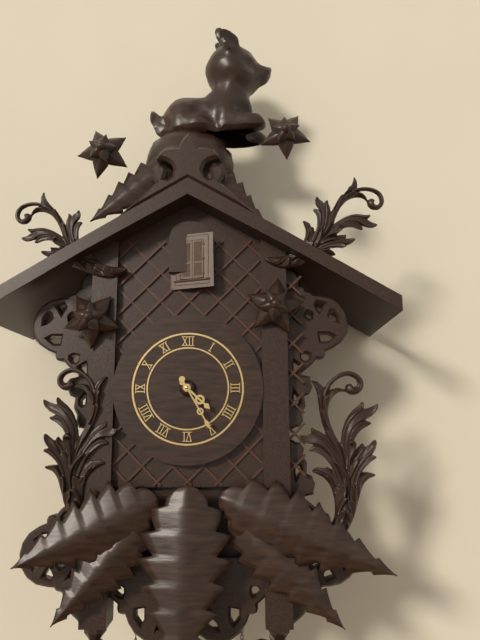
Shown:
4h25
